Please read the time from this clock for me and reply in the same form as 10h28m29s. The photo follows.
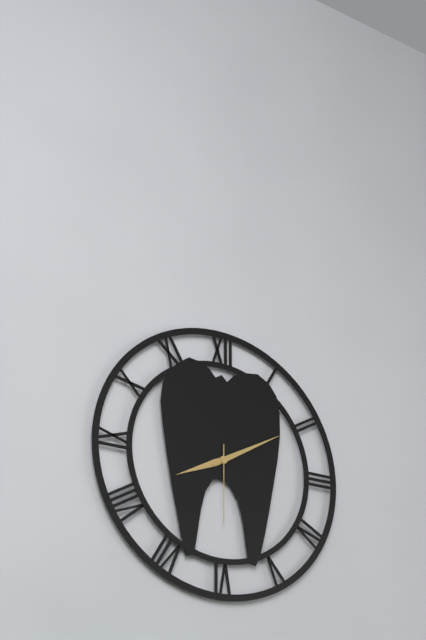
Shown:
8h10m30s
